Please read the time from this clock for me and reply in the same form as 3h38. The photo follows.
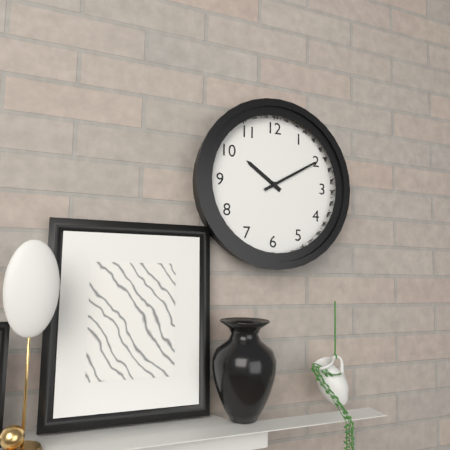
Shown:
10h10
